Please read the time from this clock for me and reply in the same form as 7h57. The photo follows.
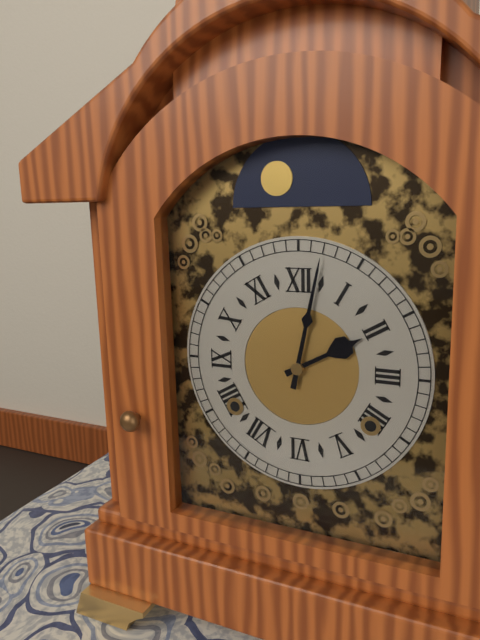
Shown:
2h02
